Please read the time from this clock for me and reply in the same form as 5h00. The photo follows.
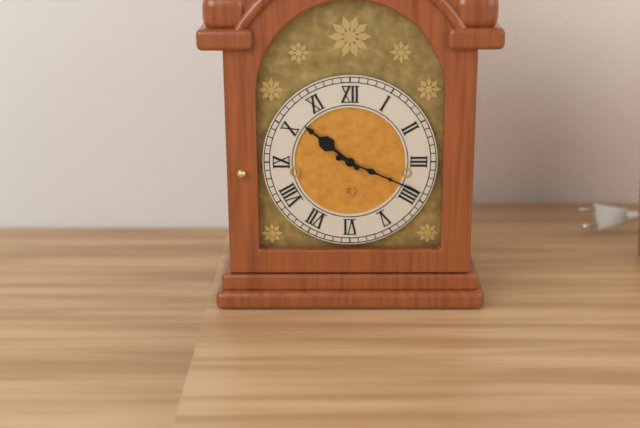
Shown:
10h19
